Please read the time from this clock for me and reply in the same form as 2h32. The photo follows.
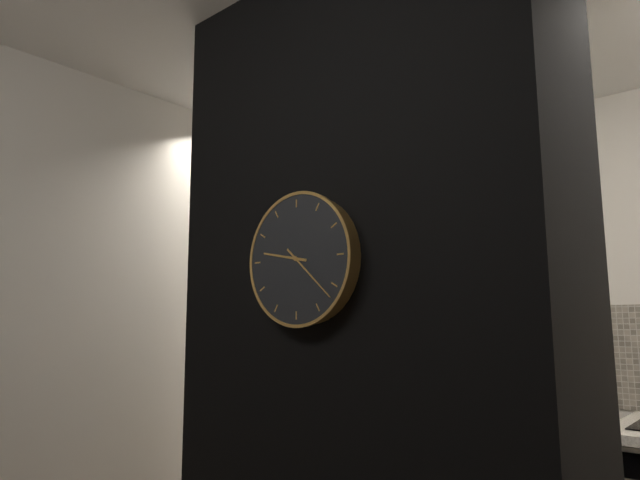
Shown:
9h22
